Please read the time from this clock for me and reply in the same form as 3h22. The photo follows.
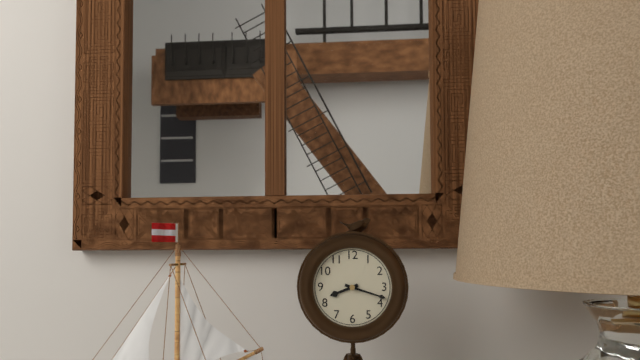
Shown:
8h18
